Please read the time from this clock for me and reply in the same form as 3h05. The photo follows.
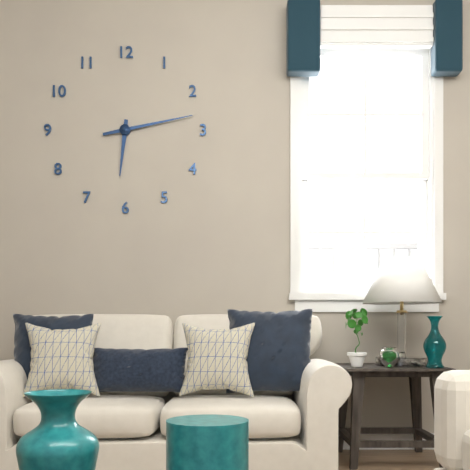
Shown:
6h13
